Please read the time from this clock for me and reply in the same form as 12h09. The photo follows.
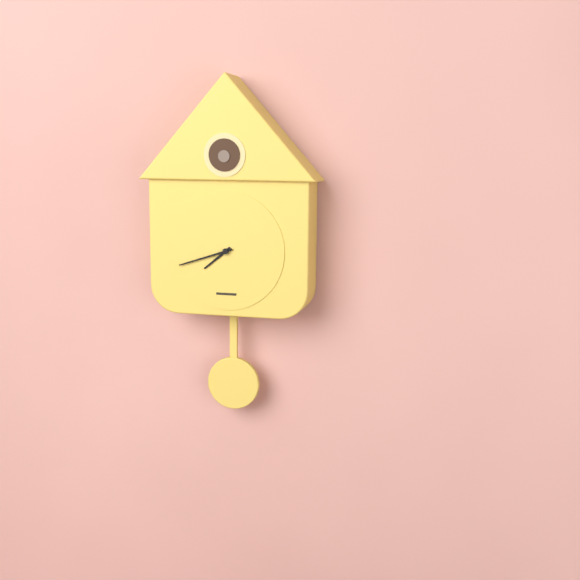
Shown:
7h42
